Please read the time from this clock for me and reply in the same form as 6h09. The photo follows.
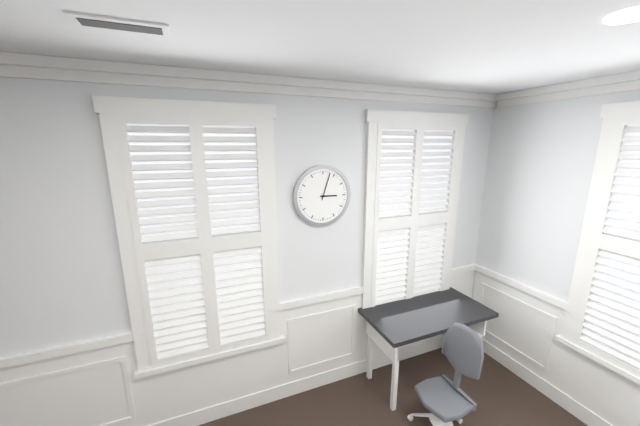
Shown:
3h03
